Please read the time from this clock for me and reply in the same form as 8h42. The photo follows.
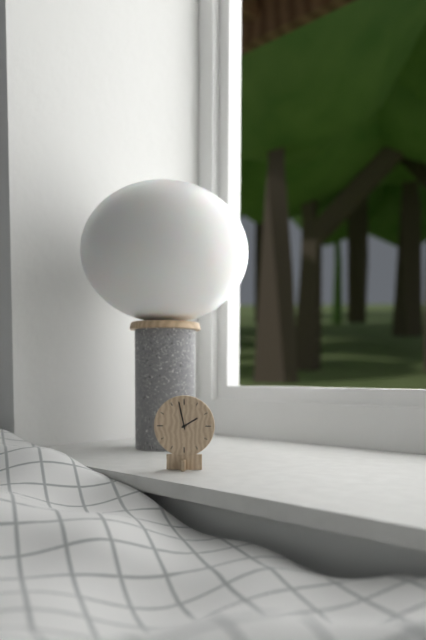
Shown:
1h58
